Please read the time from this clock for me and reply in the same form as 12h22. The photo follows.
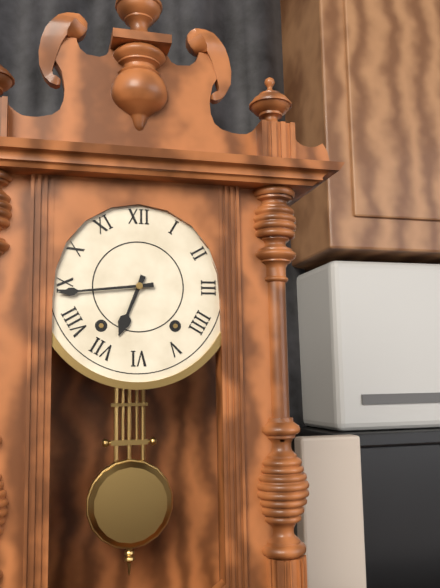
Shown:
6h44
